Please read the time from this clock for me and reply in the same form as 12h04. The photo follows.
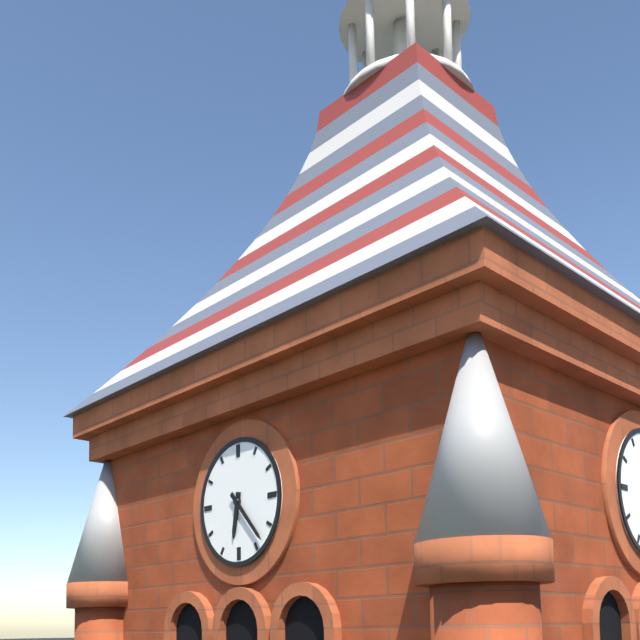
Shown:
6h23
